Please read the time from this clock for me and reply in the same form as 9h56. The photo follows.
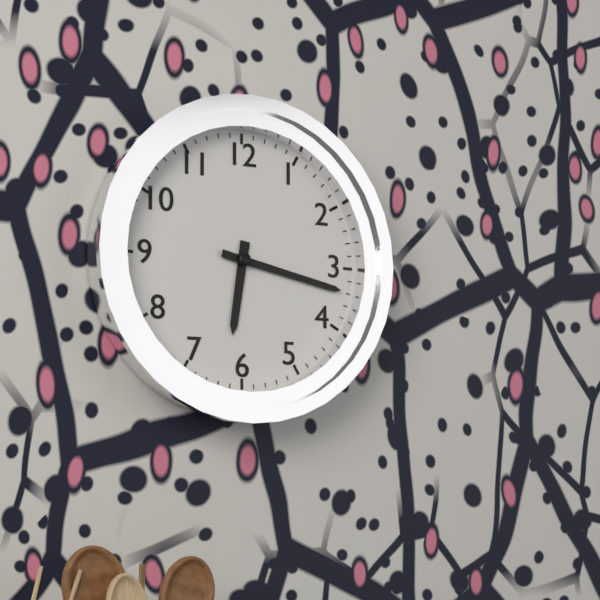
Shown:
6h17
